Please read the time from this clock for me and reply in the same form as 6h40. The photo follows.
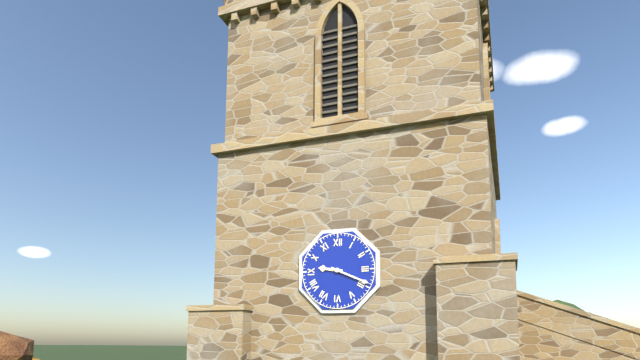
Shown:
9h19
